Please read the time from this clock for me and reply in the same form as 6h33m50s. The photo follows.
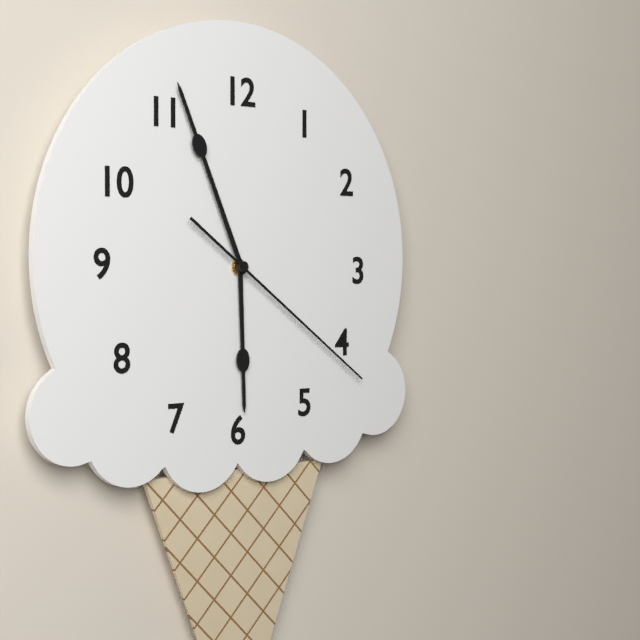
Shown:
5h56m21s
